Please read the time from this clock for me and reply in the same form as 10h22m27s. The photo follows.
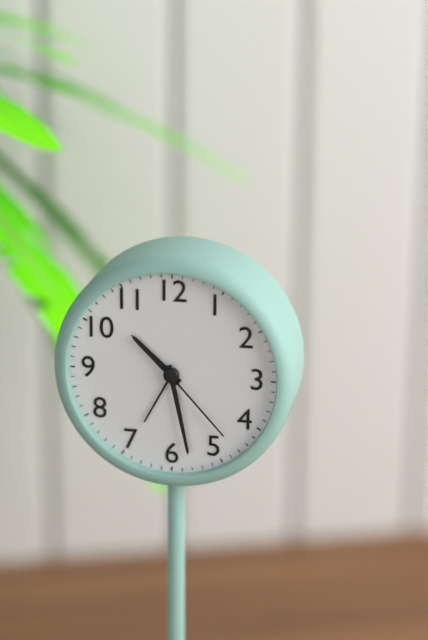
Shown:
10h28m23s
